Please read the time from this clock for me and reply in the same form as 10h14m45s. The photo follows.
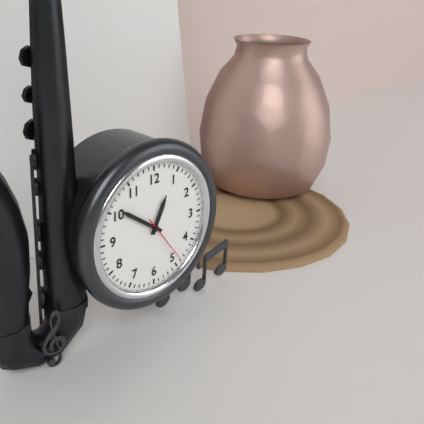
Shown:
12h51m24s
